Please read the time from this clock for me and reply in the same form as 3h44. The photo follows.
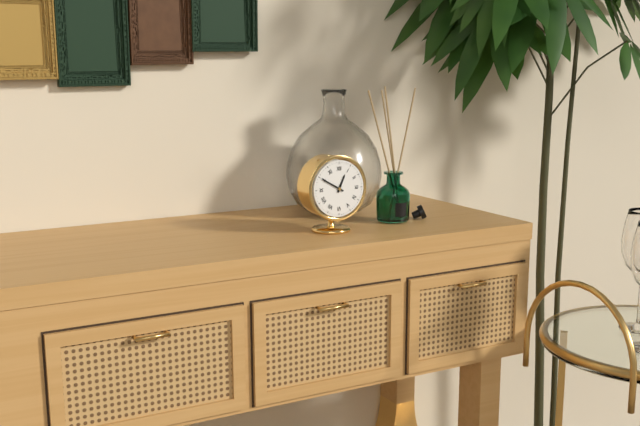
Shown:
12h50
